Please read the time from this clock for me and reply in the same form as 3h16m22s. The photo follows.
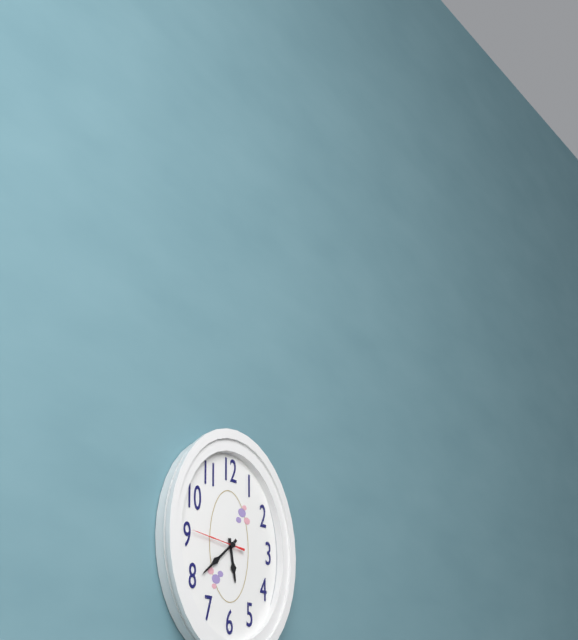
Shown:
5h38m46s
